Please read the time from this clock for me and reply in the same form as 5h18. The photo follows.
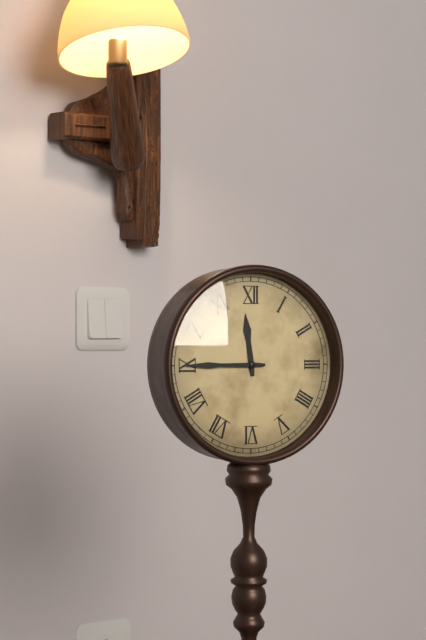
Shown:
11h45
